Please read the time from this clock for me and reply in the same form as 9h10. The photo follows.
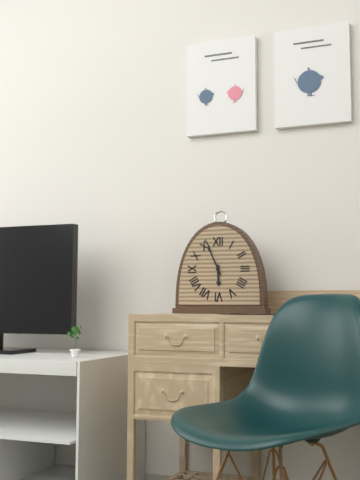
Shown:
5h56
